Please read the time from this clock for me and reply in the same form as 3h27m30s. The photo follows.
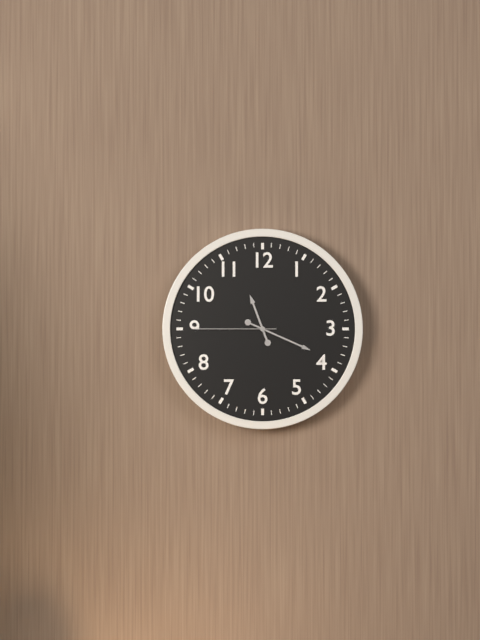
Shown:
11h19m45s
